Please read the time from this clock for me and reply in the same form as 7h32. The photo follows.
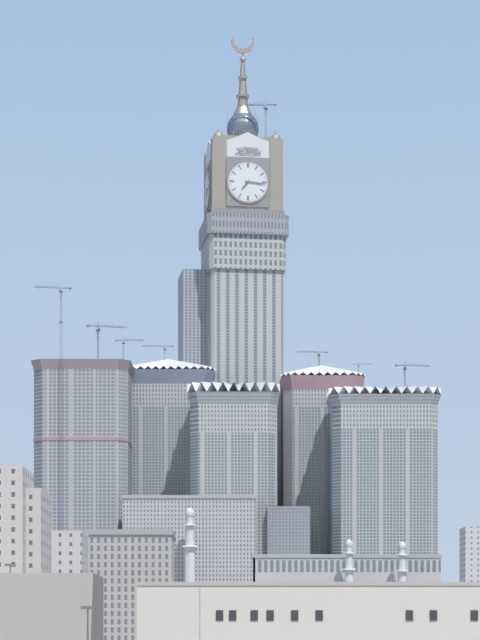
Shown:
7h16
